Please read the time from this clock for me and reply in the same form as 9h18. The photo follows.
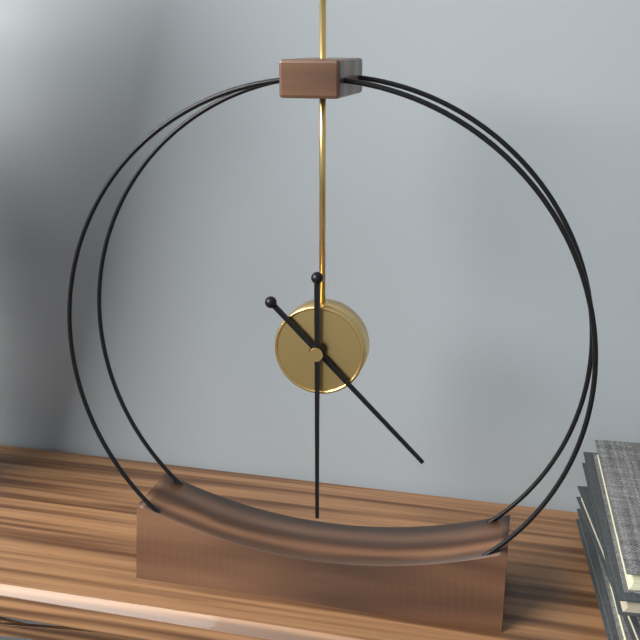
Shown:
4h30
